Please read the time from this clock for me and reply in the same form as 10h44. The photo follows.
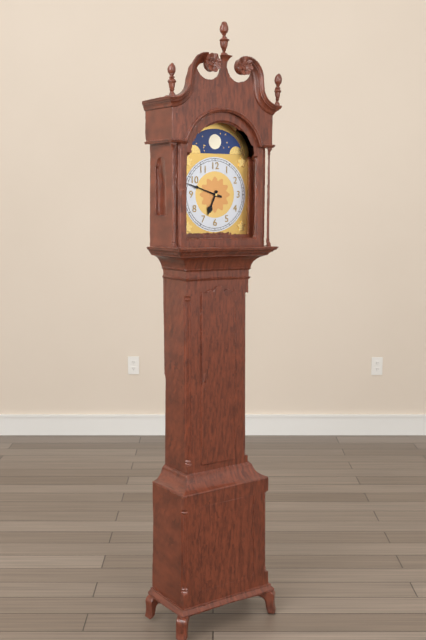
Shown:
6h48
